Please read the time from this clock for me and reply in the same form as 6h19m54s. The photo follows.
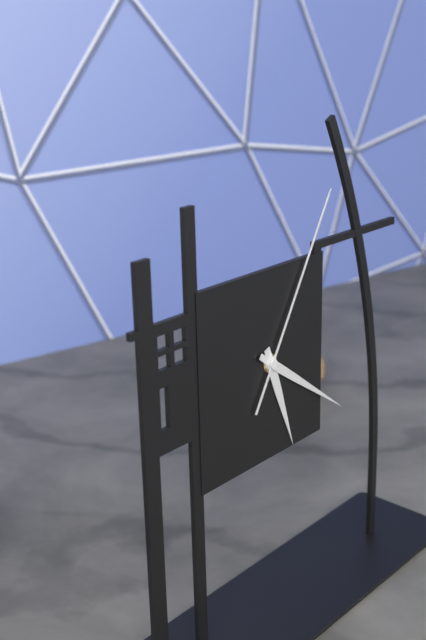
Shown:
5h21m05s
